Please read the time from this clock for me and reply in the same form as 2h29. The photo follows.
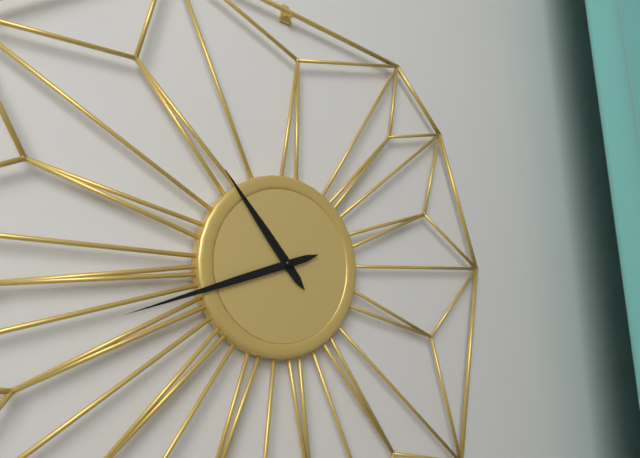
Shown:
10h42
